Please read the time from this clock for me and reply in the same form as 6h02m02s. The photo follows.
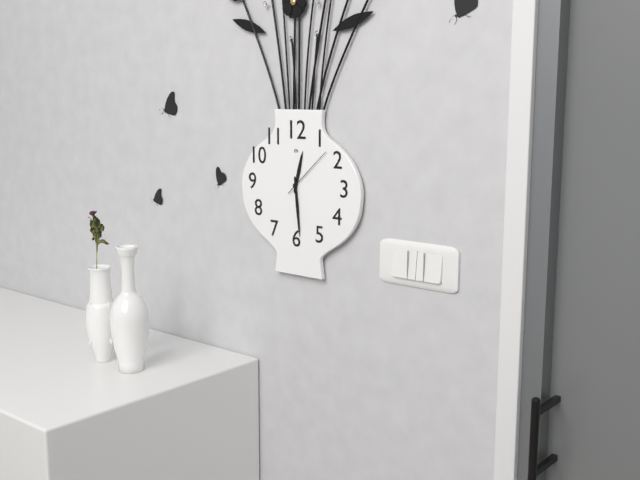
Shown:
12h29m08s
